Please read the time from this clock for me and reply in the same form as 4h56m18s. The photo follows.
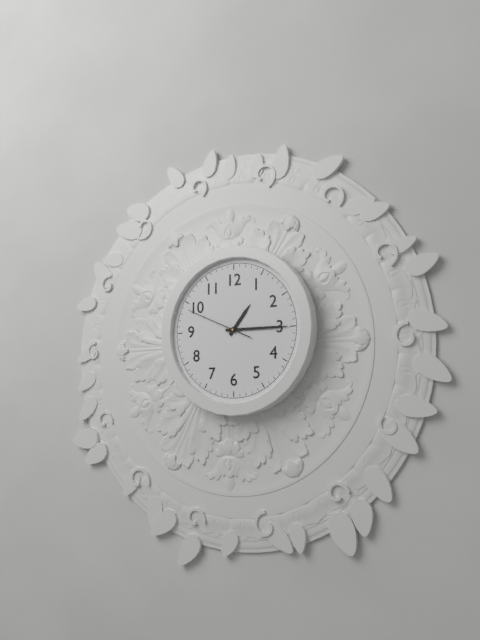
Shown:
1h15m49s
